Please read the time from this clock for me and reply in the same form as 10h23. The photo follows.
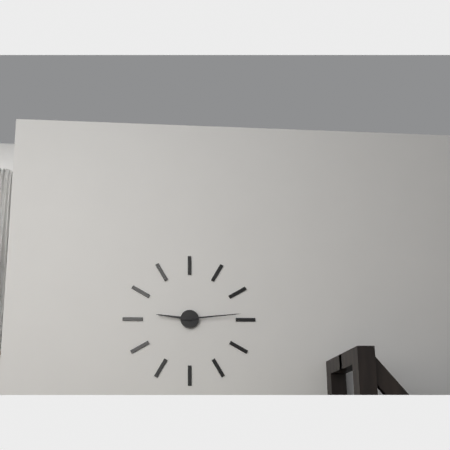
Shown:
9h14
